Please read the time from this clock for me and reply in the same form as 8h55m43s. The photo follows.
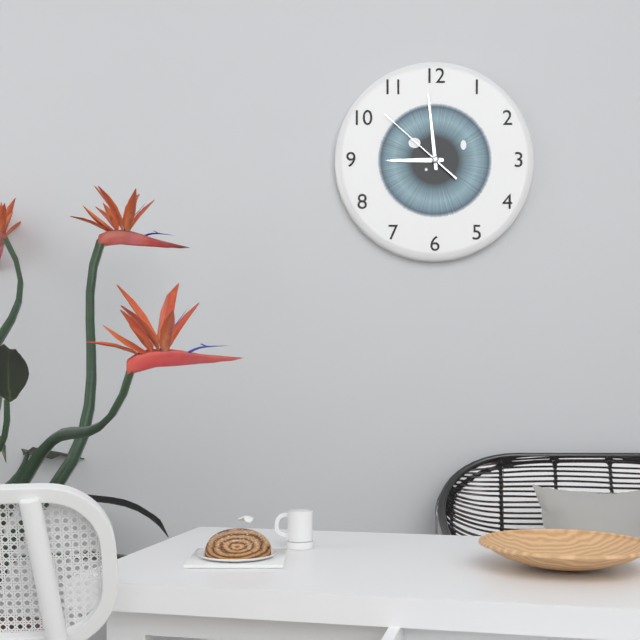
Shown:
8h59m52s
